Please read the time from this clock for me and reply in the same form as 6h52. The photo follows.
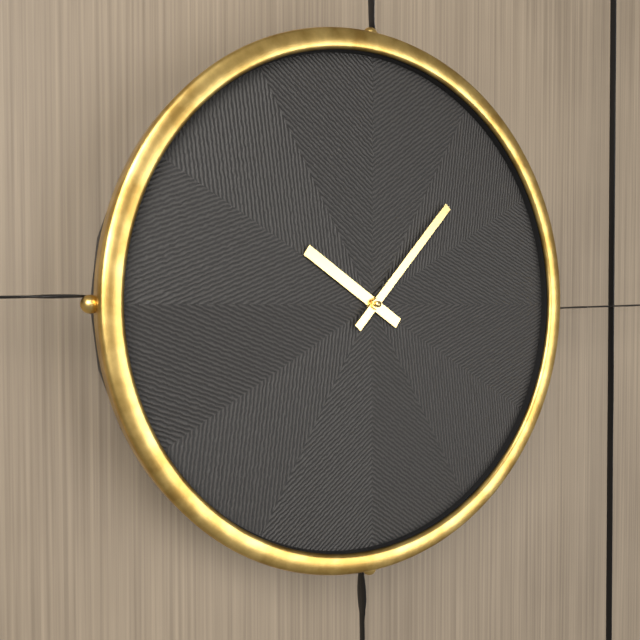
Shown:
10h07
